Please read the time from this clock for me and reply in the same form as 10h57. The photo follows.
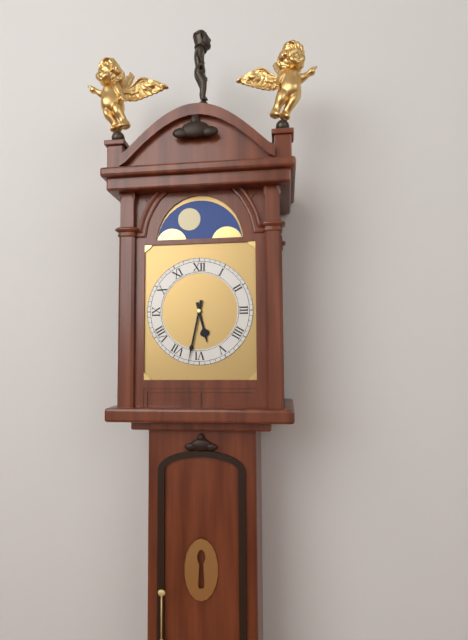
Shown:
5h32
